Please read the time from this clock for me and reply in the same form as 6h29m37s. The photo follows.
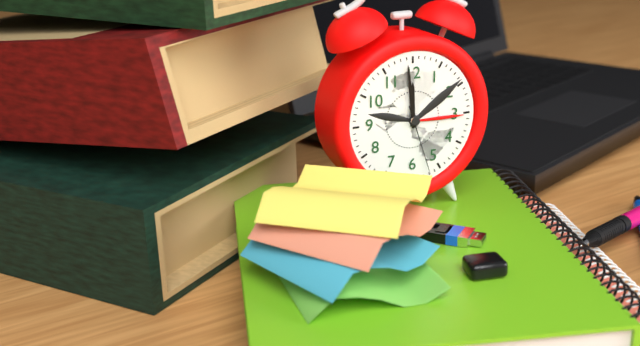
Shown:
11h59m27s
